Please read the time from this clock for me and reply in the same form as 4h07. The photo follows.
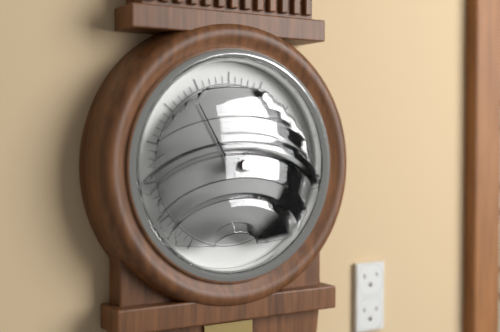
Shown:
1h55
